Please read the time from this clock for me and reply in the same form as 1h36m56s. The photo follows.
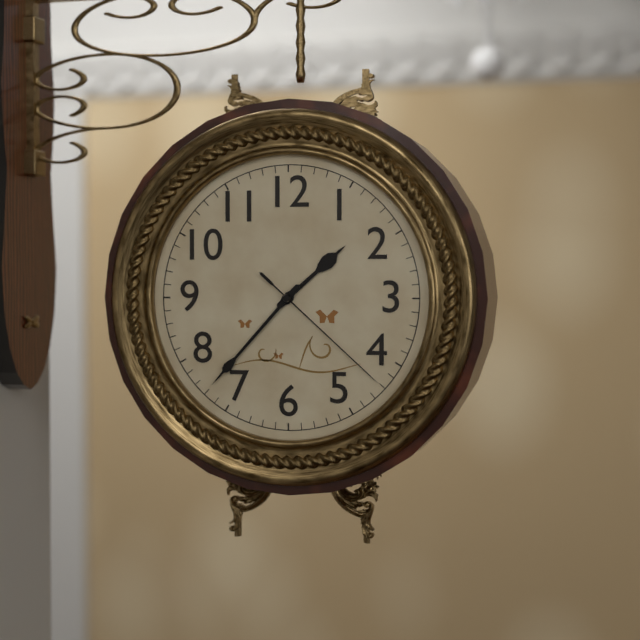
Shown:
1h37m22s
